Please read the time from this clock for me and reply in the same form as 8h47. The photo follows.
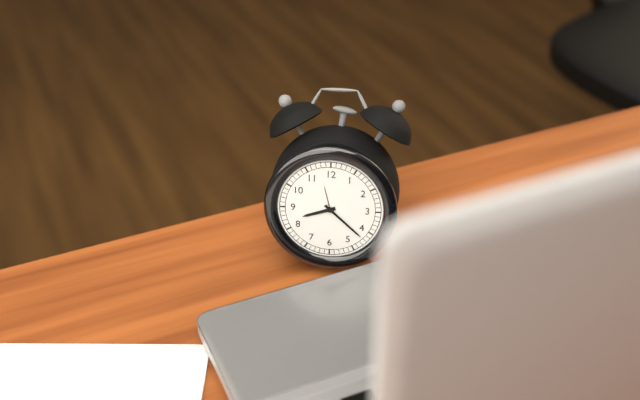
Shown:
8h22
